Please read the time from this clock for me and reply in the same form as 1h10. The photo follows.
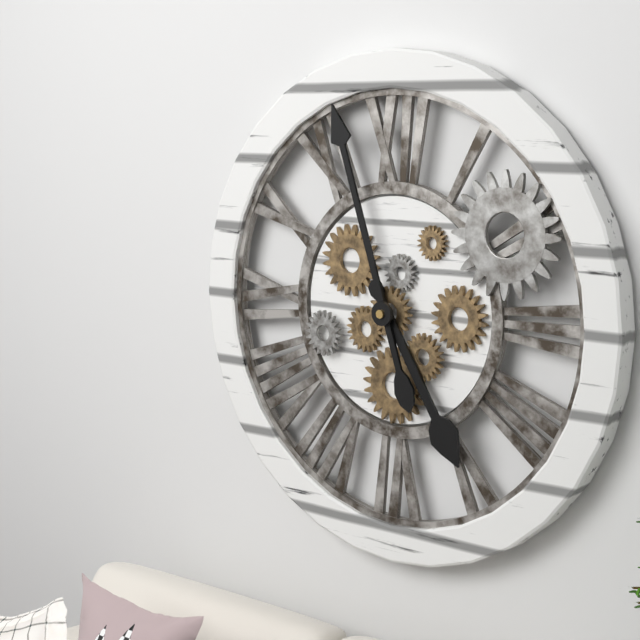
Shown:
4h57
